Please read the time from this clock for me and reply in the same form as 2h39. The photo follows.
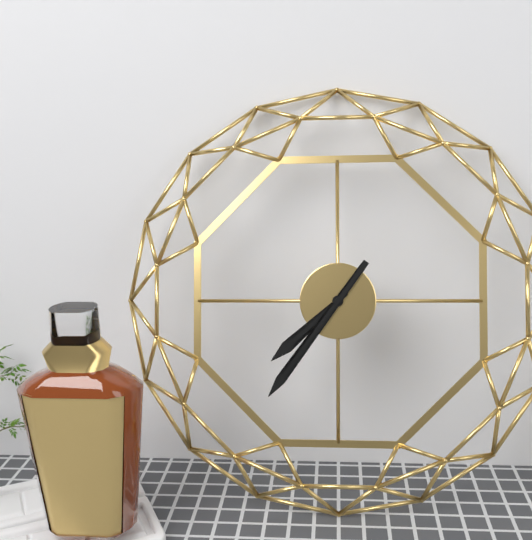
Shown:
7h36
